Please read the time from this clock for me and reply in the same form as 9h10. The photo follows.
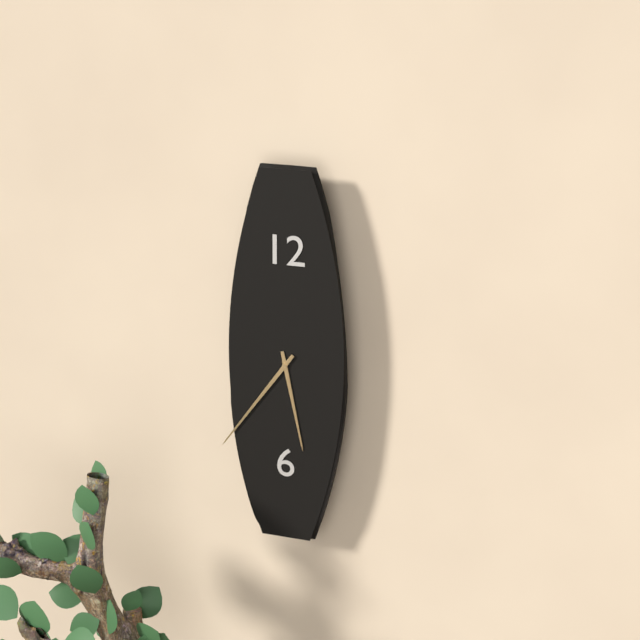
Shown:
5h36
